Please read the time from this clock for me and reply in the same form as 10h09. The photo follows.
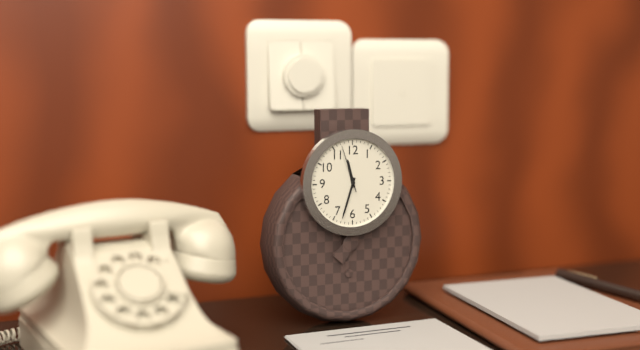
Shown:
11h33
